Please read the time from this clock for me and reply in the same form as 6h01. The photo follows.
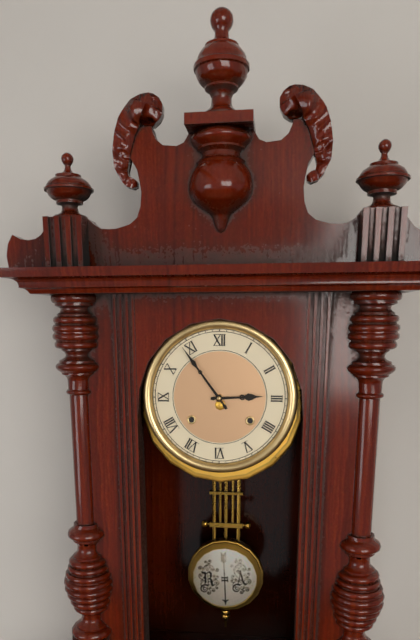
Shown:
2h54
